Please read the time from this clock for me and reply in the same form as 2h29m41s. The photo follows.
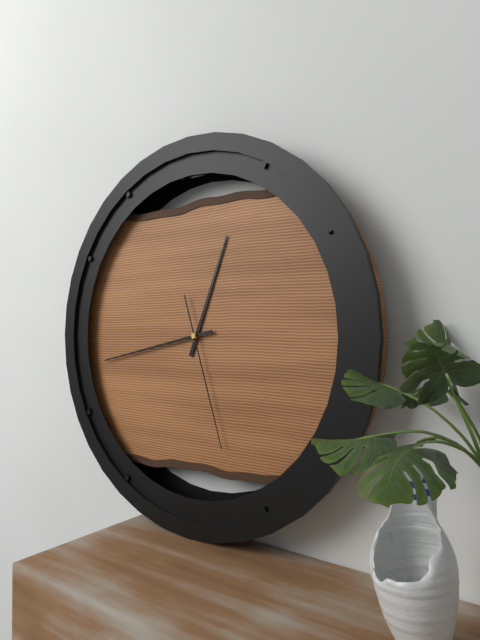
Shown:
12h43m27s
